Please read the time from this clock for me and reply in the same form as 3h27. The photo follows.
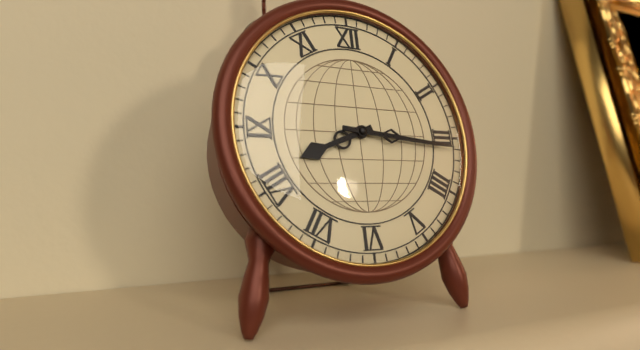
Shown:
8h16
